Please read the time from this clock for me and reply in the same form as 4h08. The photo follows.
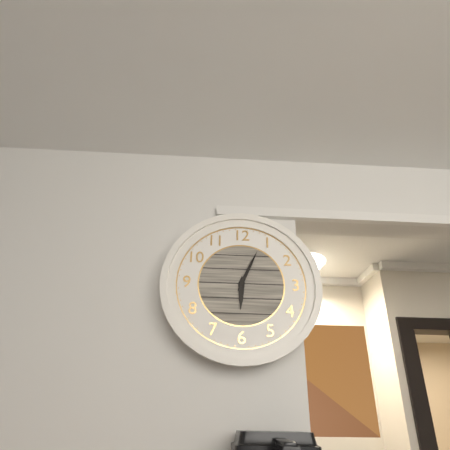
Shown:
6h04
